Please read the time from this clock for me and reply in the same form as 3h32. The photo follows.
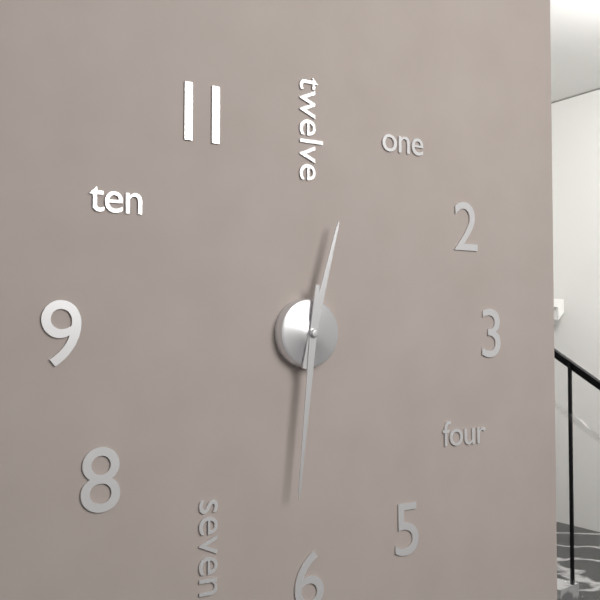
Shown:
12h31
